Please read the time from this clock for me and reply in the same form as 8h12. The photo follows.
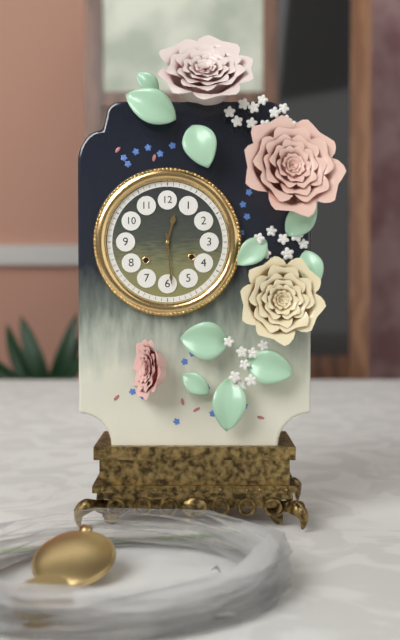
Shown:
12h29
